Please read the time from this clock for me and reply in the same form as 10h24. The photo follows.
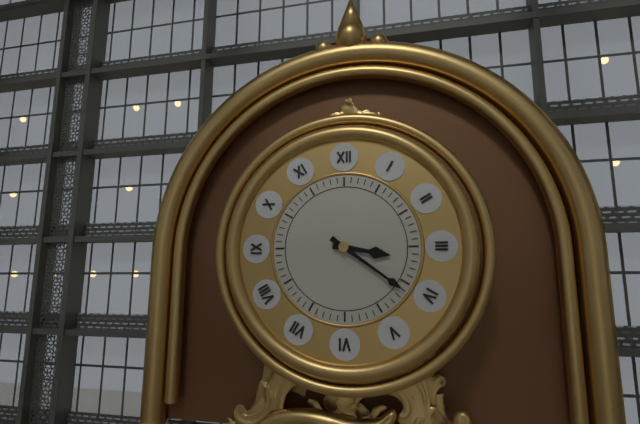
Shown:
3h21
